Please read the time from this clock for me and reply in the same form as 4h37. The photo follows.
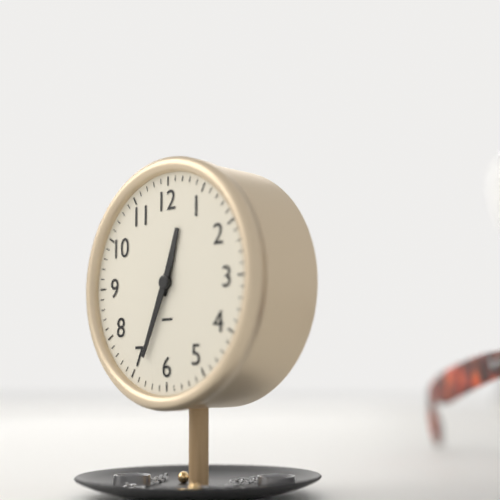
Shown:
12h34
